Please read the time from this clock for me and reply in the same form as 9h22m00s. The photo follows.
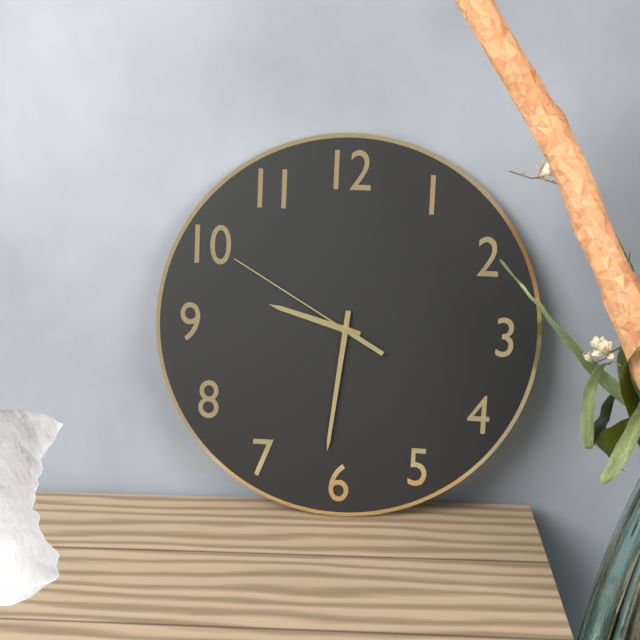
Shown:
9h31m50s
